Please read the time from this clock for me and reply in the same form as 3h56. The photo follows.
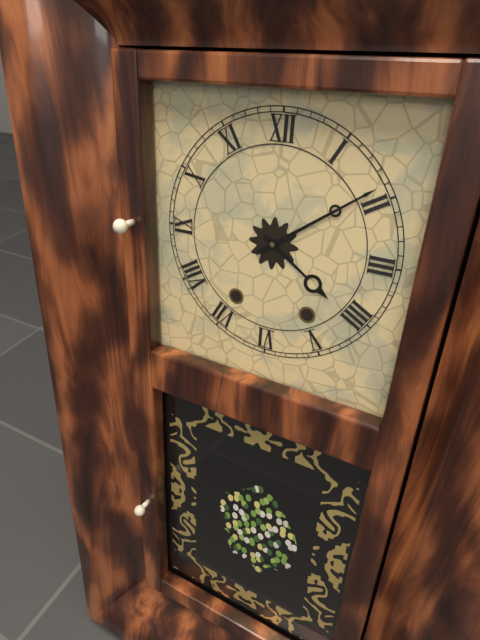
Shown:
4h09
